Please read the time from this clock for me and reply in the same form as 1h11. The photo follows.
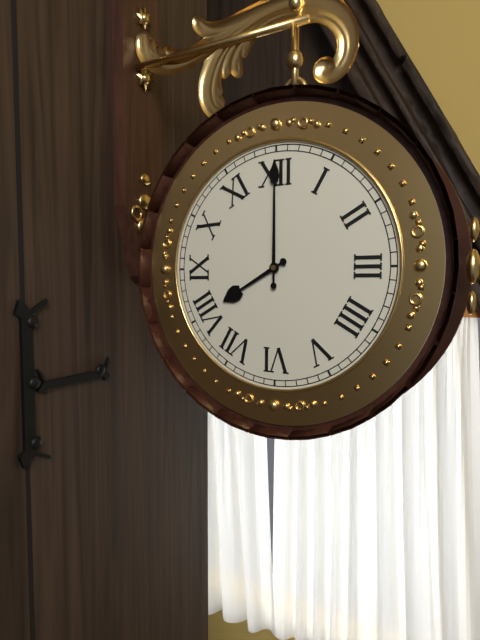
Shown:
8h00
